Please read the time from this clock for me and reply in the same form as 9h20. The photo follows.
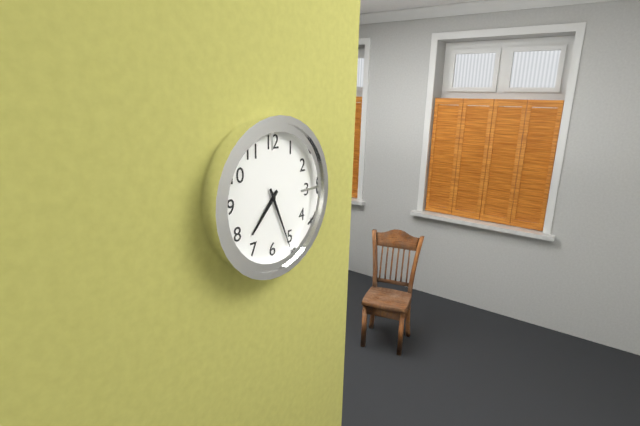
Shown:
7h26
